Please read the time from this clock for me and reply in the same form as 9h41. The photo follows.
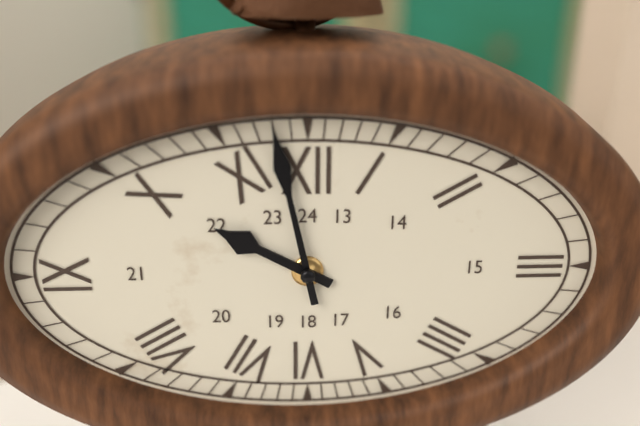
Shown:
9h58
